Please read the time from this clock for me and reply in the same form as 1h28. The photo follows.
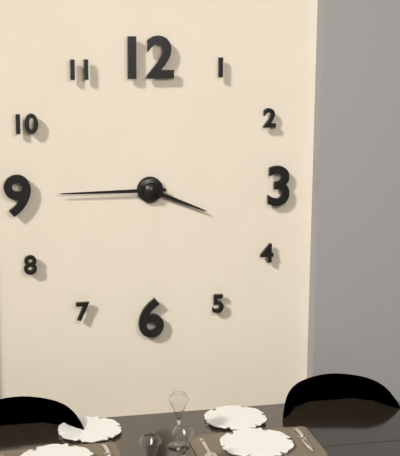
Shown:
3h45
